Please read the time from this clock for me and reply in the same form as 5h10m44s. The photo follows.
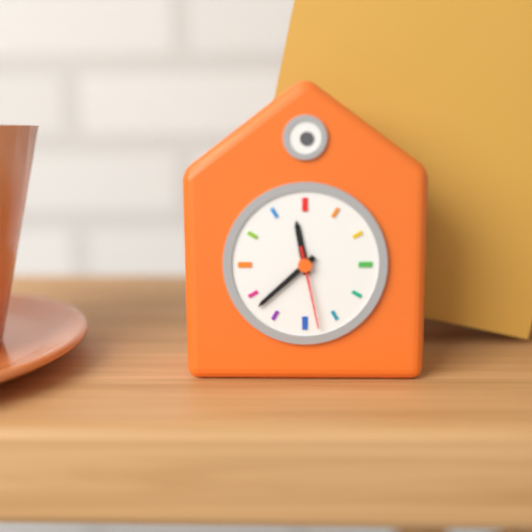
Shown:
11h38m28s
